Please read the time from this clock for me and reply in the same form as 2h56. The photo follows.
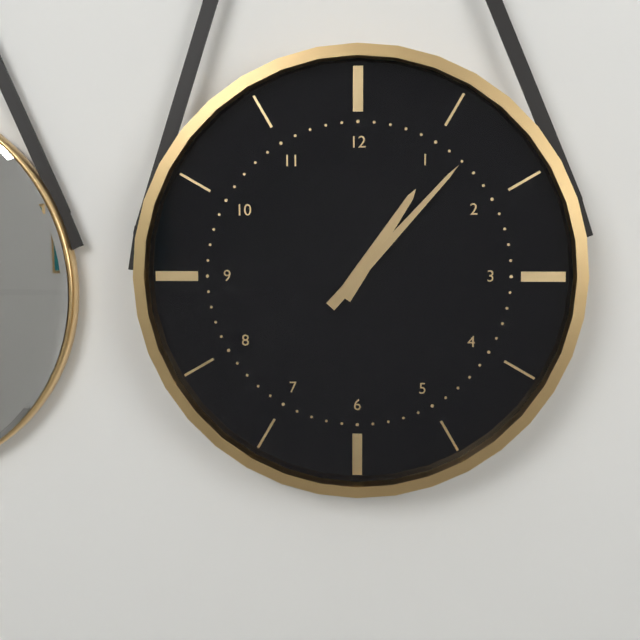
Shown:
1h07
